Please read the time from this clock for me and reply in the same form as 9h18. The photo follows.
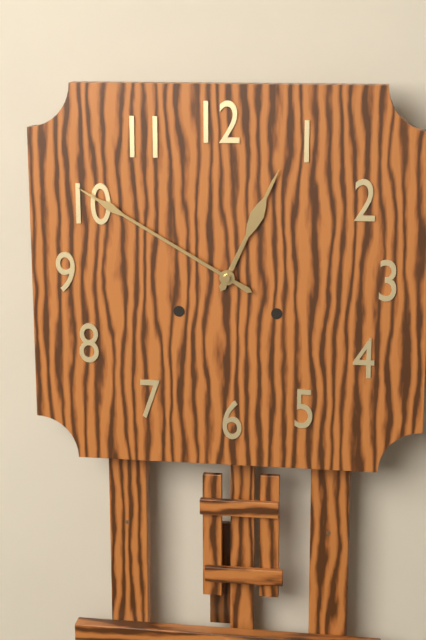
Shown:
12h50
